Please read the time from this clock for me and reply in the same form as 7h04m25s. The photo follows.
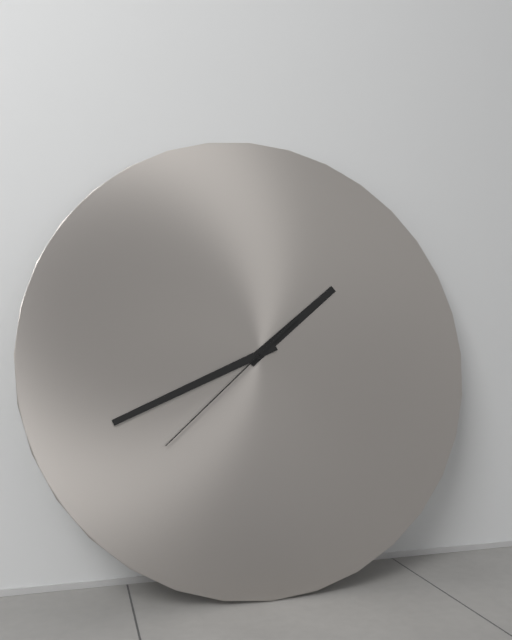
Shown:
1h41m38s
